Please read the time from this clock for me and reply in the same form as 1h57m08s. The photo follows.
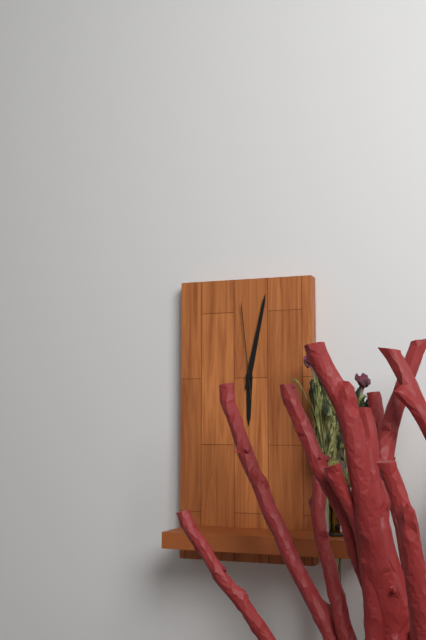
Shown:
6h02m59s
